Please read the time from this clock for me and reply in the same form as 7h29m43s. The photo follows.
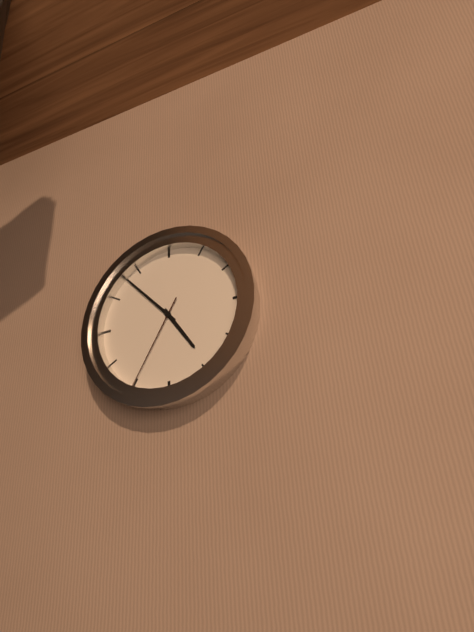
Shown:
4h53m35s
